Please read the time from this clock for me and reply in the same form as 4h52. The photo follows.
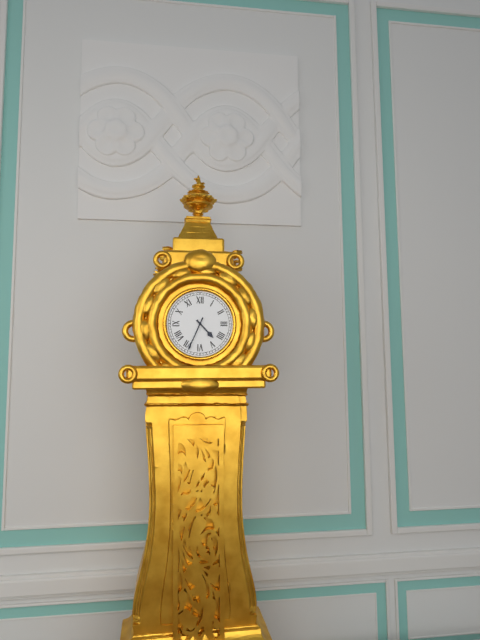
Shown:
4h34
